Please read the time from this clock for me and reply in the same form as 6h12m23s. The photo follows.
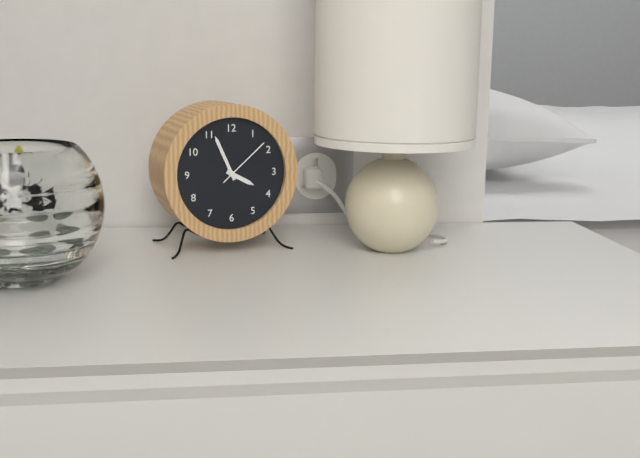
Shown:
3h56m08s
